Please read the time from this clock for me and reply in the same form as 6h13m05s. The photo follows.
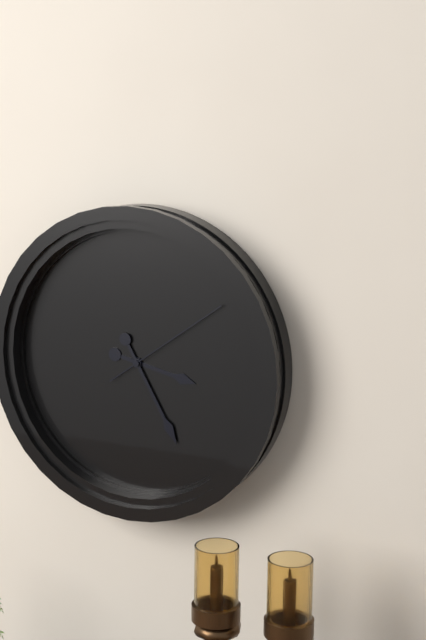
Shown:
3h25m09s
